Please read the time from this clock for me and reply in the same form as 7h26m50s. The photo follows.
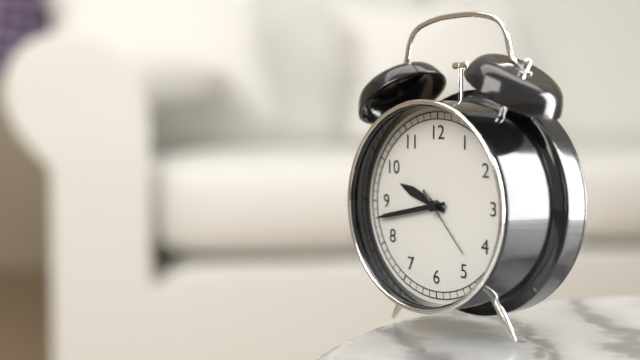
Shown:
9h43m23s
